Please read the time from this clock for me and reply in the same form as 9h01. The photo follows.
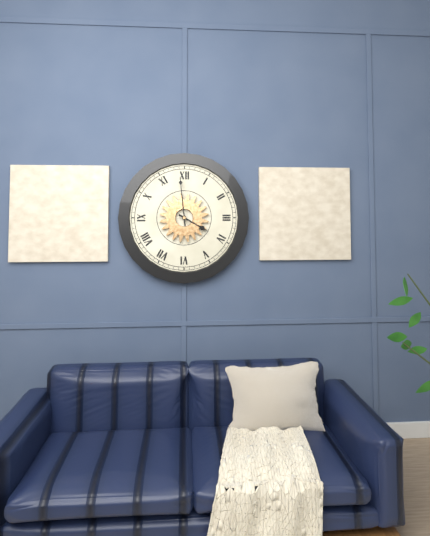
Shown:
3h59
